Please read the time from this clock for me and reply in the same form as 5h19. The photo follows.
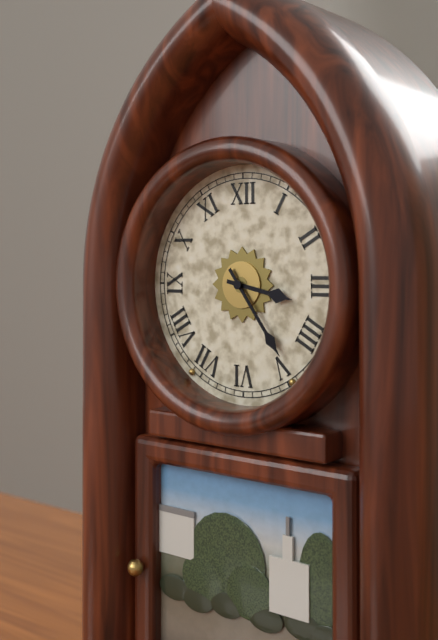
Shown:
3h24
